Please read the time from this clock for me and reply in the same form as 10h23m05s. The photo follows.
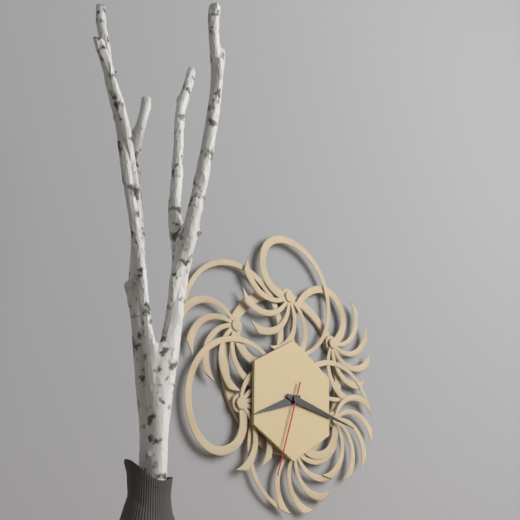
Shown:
8h17m33s
